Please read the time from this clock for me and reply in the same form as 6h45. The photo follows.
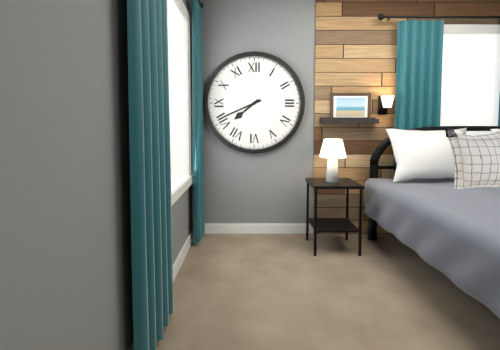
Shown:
7h41
